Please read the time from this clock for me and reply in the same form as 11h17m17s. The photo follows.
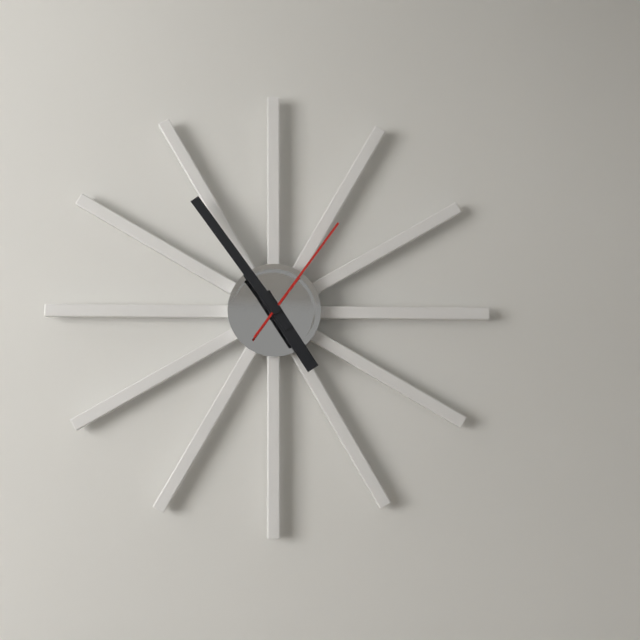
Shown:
4h54m06s
